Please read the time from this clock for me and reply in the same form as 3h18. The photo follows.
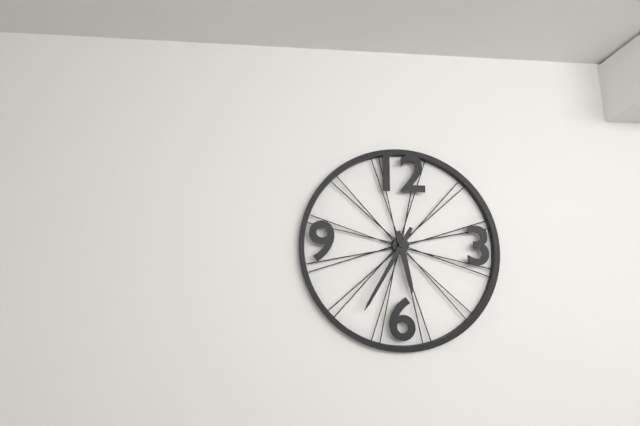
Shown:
5h35
